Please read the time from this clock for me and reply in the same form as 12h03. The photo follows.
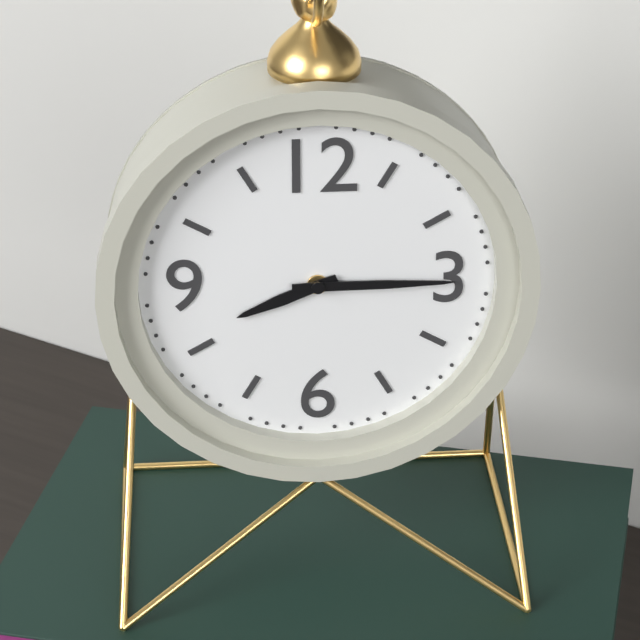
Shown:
8h15
